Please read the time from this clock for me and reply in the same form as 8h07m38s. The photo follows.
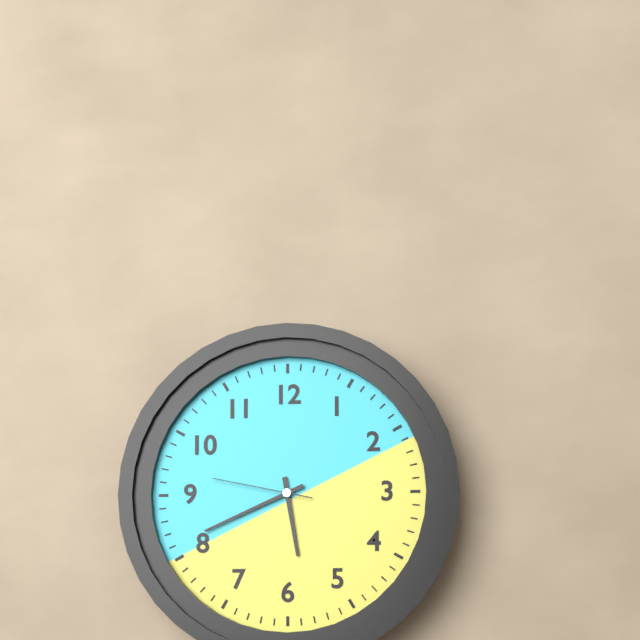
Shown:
5h41m47s
